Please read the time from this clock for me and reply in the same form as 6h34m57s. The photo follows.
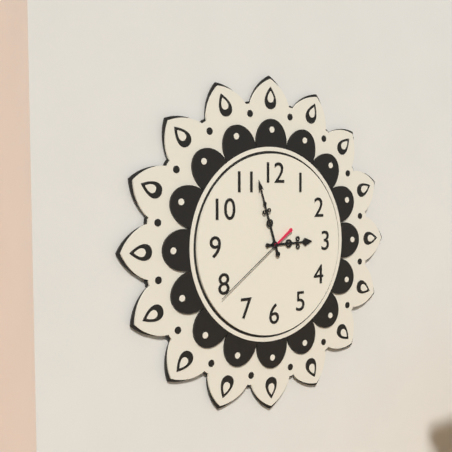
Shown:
2h57m39s
